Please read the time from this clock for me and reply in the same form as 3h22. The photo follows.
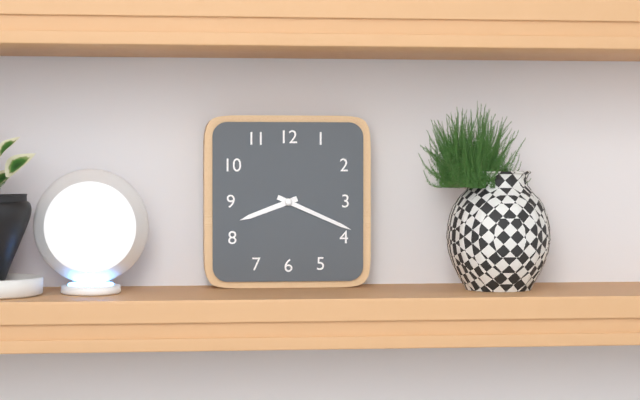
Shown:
8h19
